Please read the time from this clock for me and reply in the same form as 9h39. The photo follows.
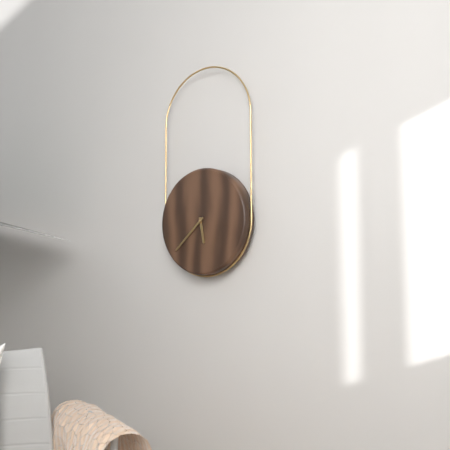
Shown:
5h38
